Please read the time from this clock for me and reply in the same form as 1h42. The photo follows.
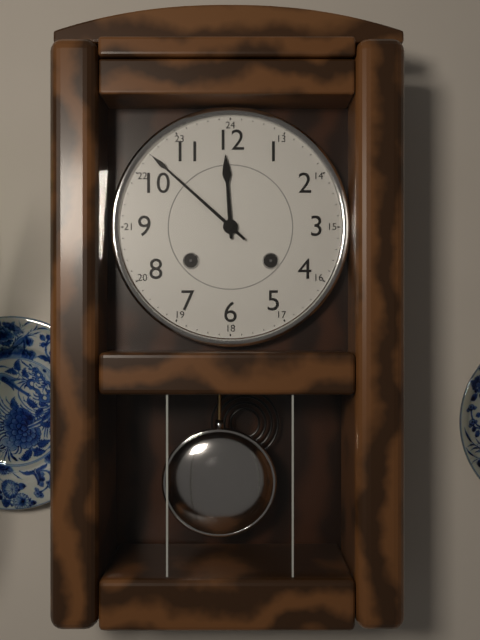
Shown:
11h52
